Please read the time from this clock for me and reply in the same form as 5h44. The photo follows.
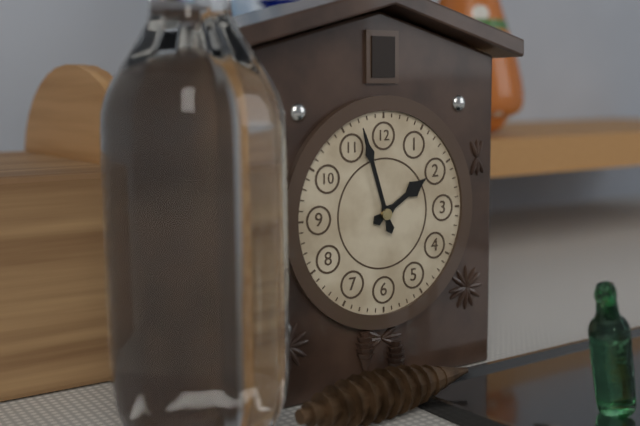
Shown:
1h57
